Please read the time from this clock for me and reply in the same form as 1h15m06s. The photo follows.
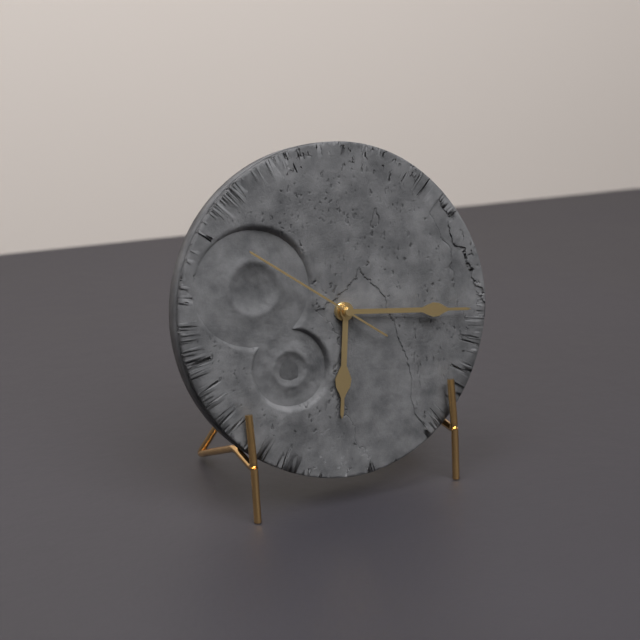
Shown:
6h16m51s
